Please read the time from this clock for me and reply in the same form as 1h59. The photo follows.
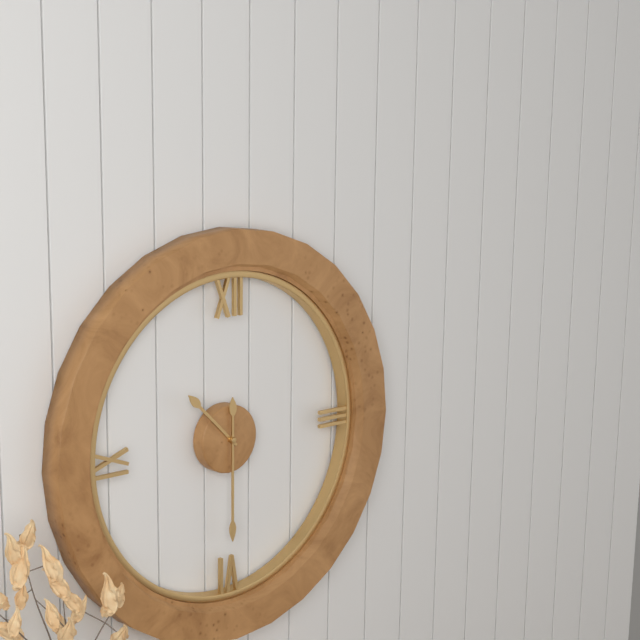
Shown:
10h30
